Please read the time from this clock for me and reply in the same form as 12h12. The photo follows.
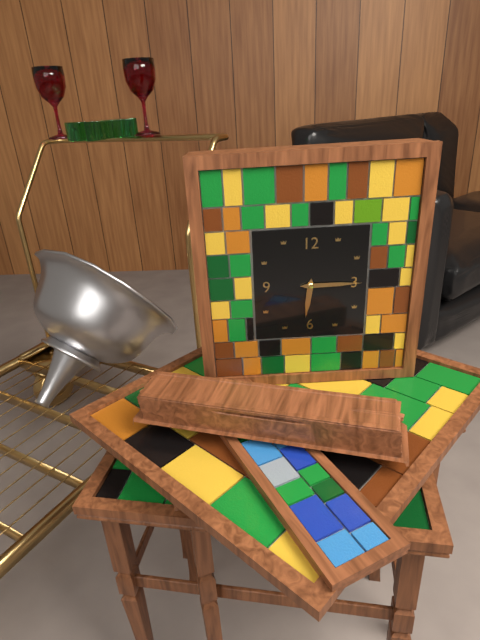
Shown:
6h15
